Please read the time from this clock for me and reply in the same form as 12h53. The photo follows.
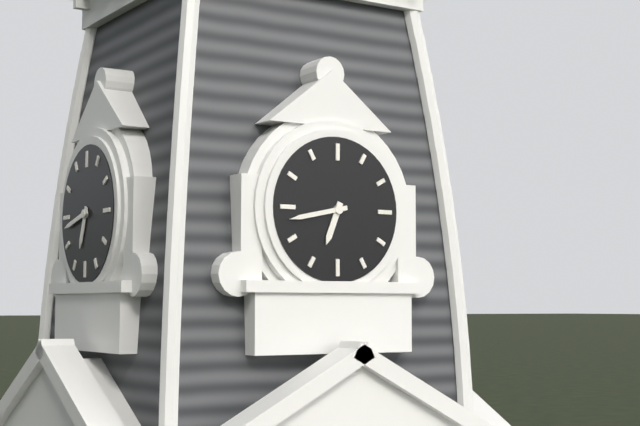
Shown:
6h43
